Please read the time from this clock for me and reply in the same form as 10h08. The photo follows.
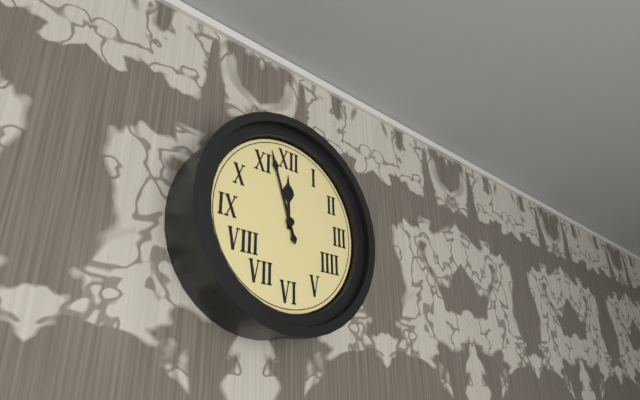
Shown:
11h57
